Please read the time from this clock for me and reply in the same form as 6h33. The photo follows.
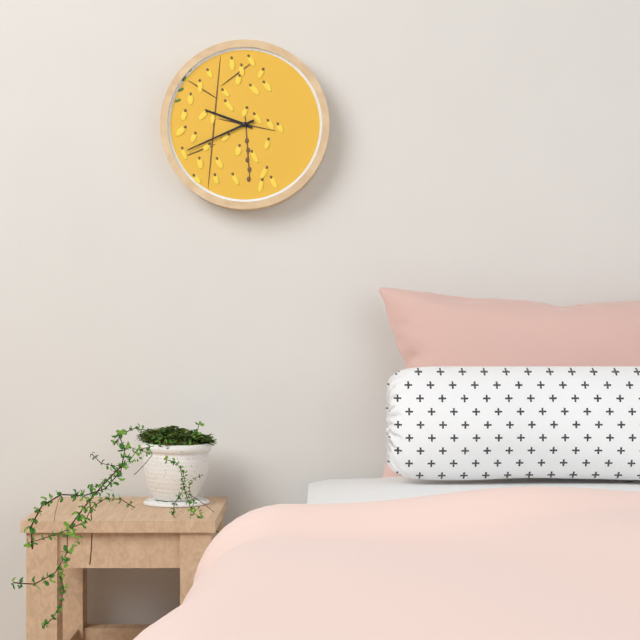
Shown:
9h41
